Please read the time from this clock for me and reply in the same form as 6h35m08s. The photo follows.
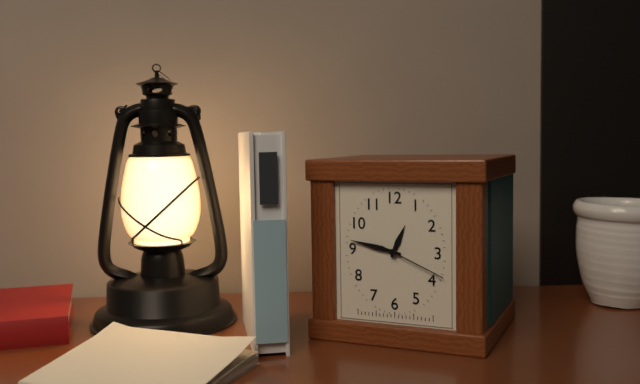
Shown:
12h47m19s
